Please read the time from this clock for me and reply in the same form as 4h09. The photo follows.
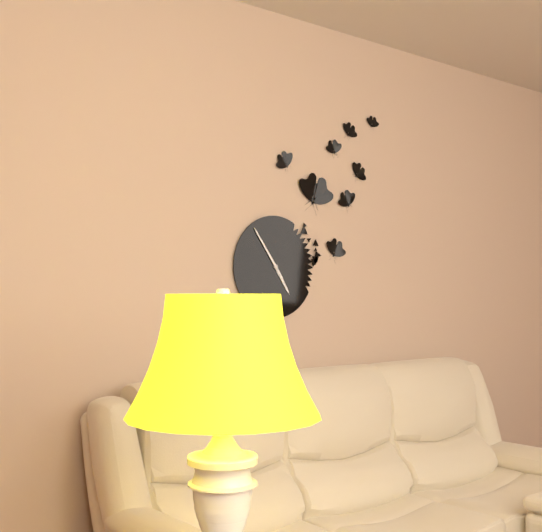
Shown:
4h54
